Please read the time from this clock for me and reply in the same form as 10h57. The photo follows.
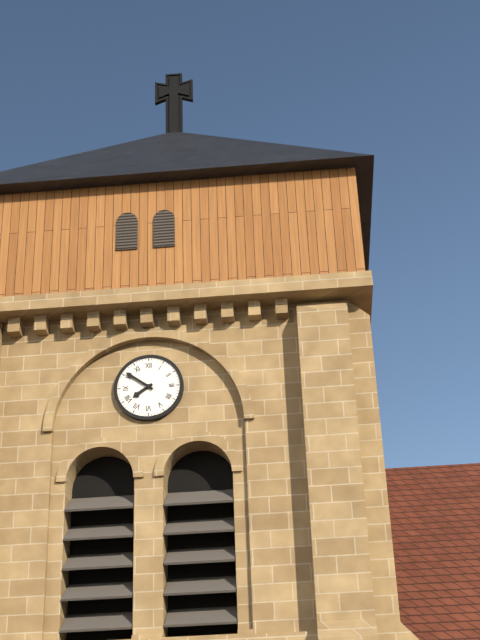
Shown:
7h51
